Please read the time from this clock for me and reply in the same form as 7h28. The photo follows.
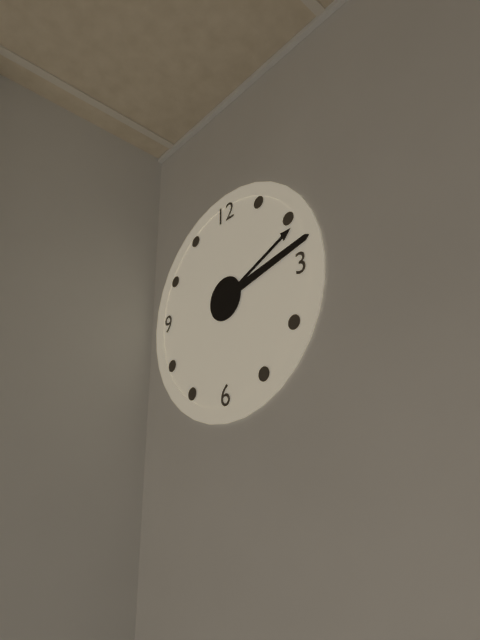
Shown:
2h13
